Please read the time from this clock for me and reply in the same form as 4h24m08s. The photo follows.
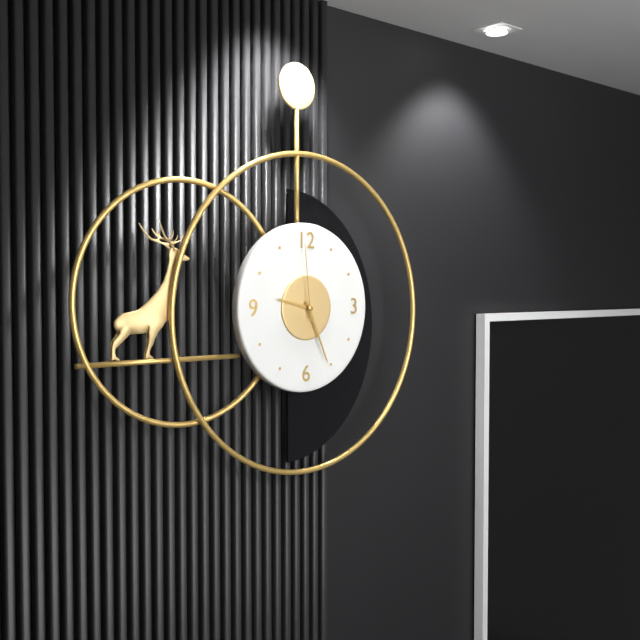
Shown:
9h26m59s
